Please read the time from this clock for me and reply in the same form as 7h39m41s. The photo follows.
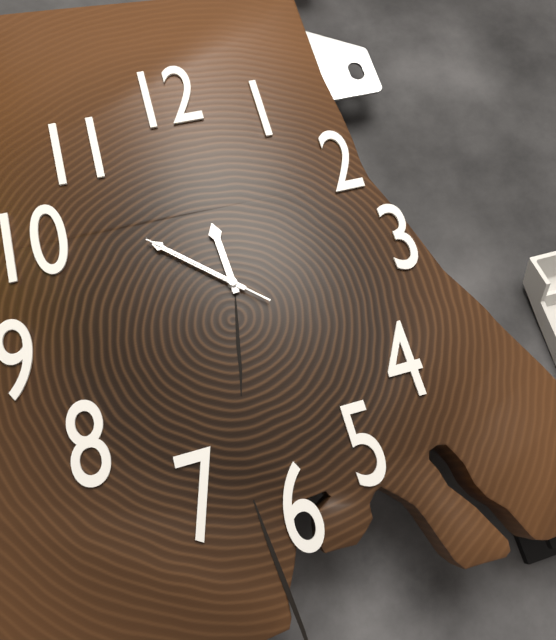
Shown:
11h52m52s
